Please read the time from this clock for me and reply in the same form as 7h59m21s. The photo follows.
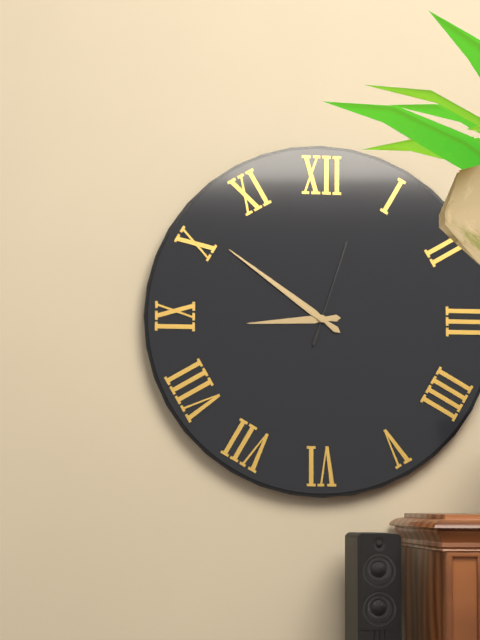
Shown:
8h51m03s
